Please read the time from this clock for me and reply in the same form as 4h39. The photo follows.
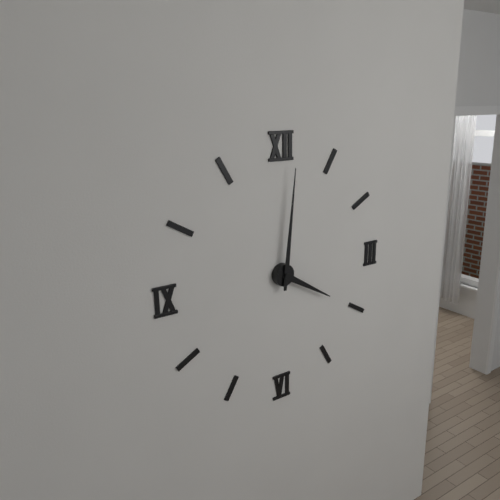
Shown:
4h01
